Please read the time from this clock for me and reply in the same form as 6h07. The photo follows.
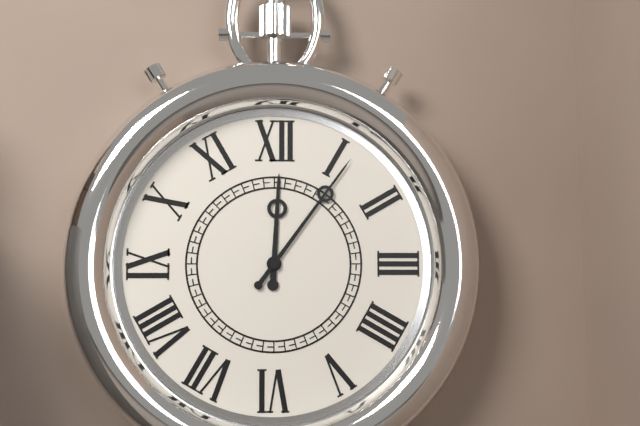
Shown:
12h06
